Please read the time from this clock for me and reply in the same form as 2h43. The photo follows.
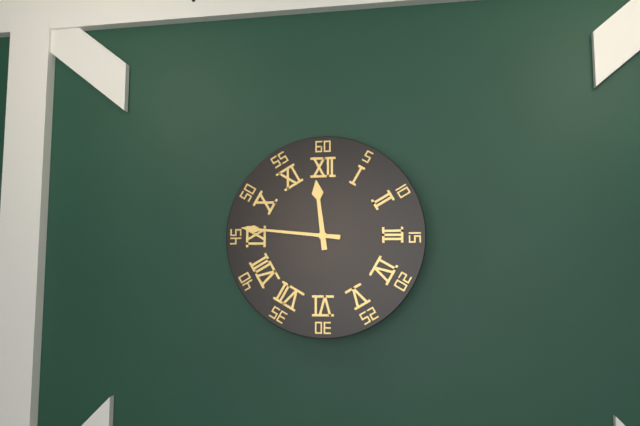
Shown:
11h46
